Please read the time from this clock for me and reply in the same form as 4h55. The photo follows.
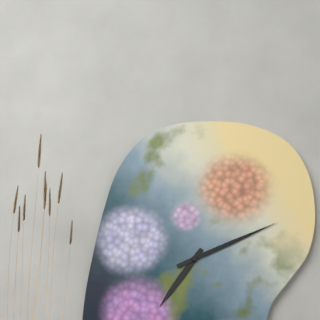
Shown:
7h11
